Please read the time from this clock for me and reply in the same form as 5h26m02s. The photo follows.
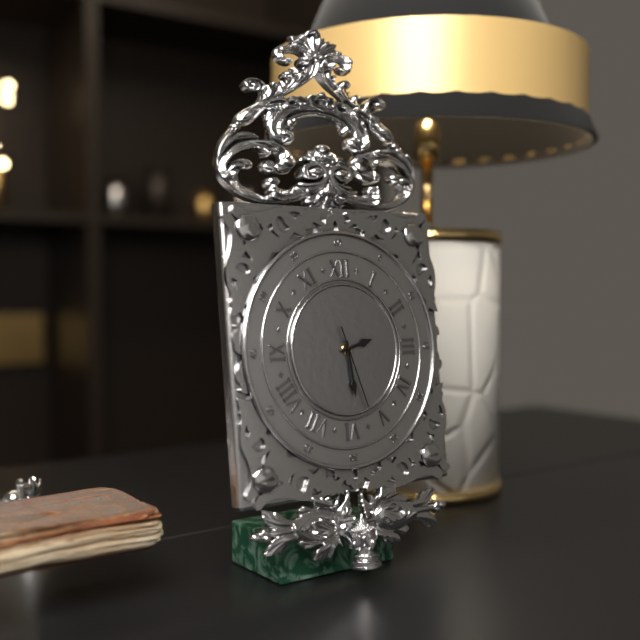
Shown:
2h29m27s
